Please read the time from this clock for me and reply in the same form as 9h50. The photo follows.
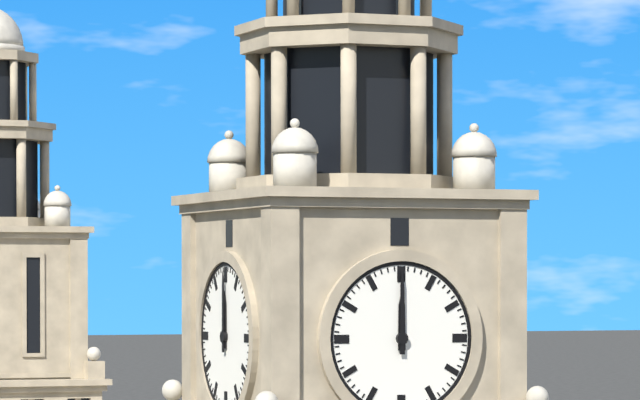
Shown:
12h00
